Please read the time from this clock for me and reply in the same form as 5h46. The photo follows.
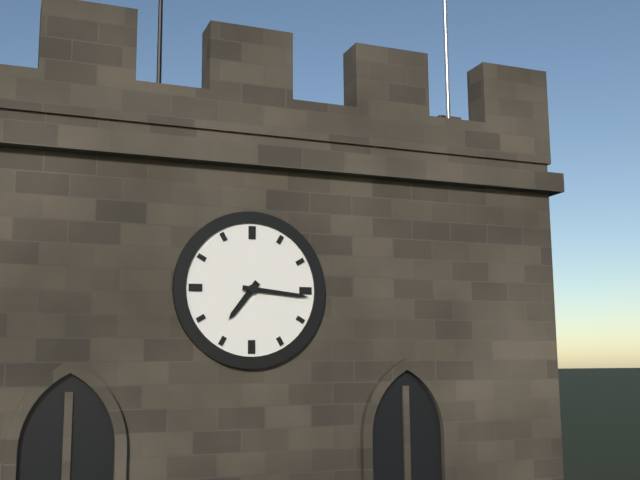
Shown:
7h16
